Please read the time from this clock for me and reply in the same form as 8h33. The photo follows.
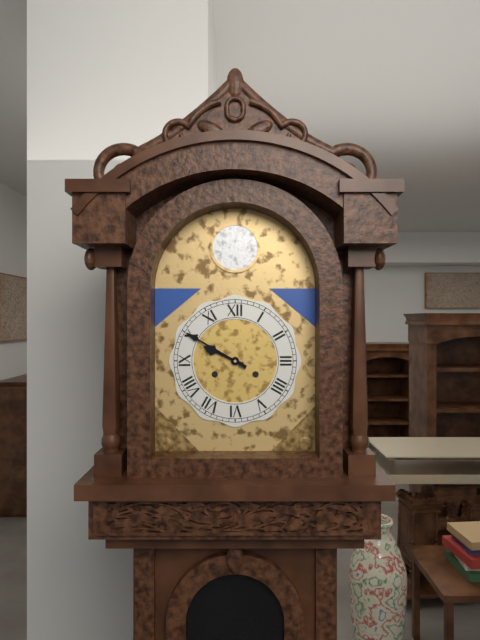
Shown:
9h50
